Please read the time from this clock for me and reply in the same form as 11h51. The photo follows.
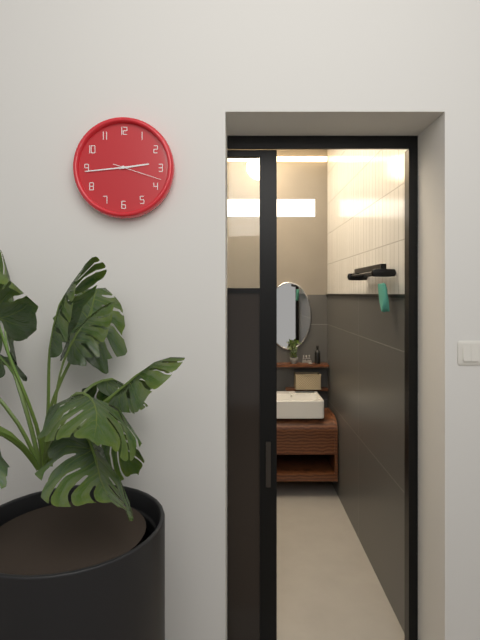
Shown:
2h44
